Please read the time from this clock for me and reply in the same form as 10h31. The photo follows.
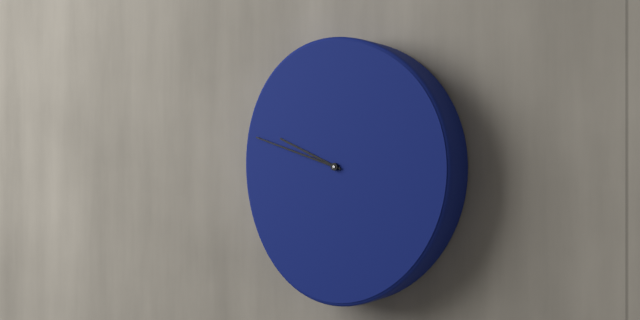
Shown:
9h48
